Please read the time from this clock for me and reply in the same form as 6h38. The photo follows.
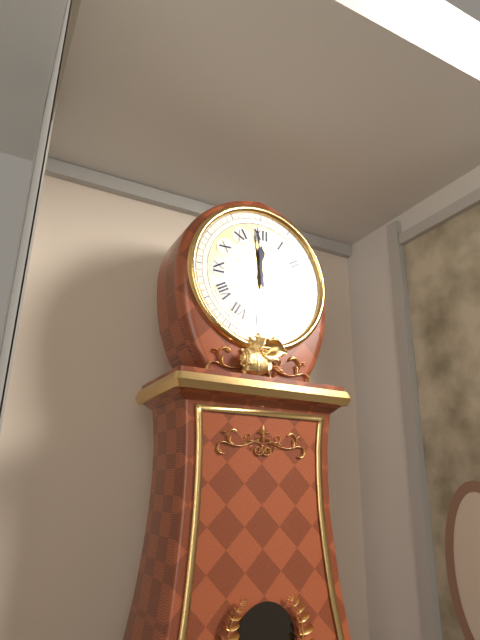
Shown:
11h59
